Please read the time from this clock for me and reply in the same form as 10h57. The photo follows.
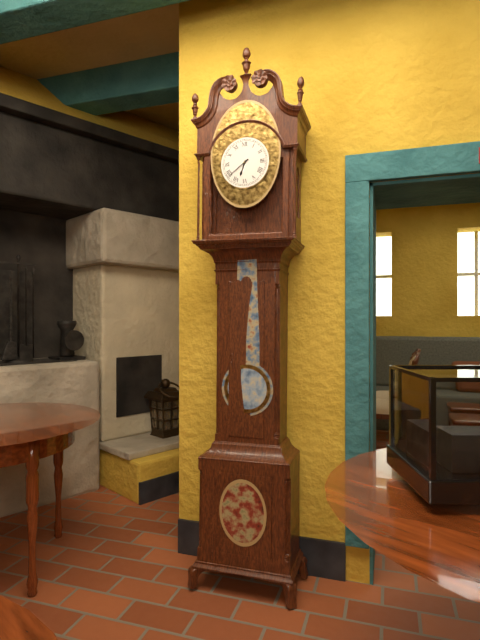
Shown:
6h39
